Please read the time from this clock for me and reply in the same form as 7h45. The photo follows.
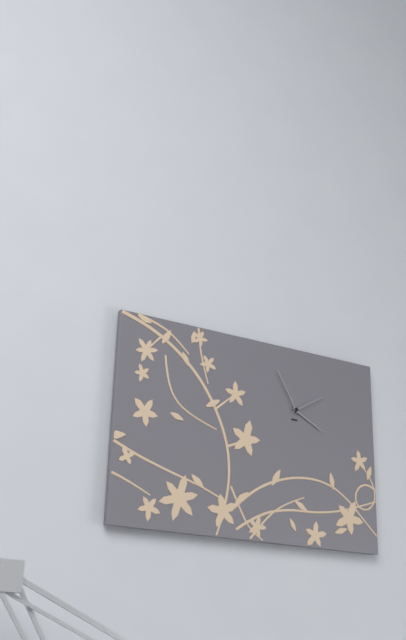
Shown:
3h55
